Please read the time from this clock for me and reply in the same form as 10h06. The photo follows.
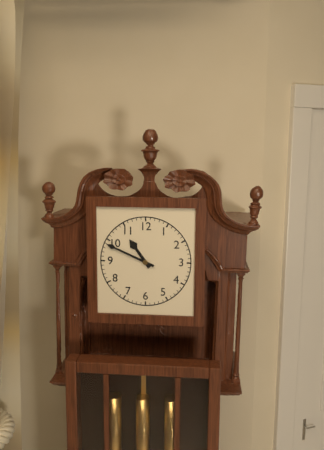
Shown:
10h49
